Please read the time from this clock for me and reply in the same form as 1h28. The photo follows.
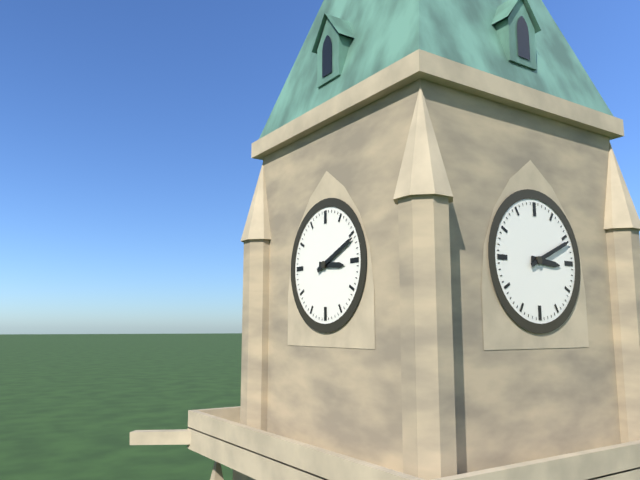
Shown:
3h11
